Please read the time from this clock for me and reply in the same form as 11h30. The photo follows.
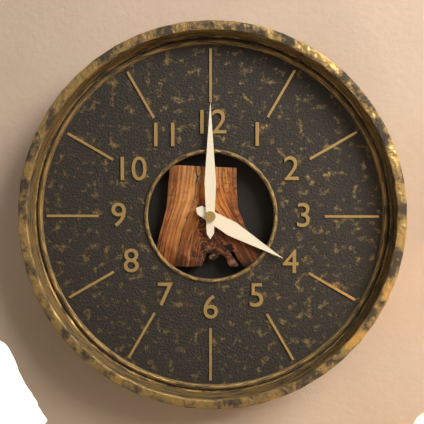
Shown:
4h00
